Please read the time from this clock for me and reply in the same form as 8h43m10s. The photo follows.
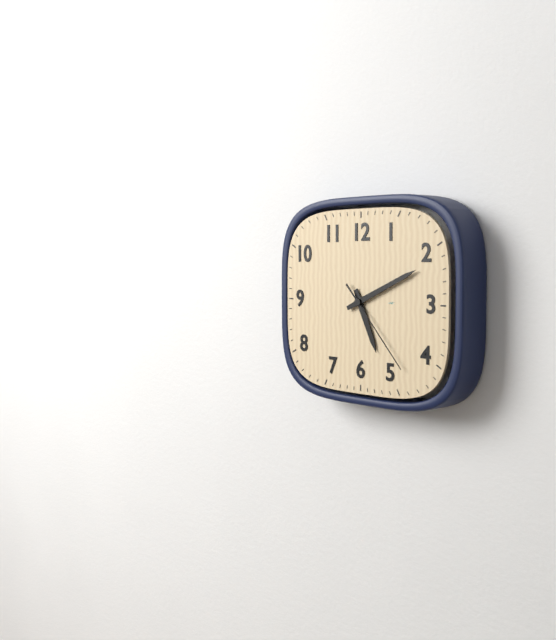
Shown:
5h11m23s
